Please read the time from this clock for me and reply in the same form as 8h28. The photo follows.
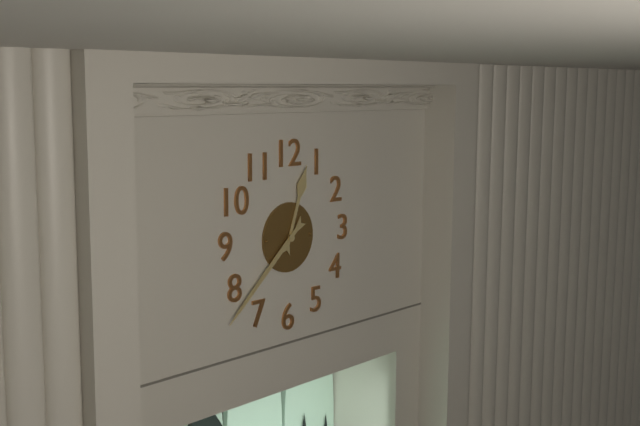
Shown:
12h38
